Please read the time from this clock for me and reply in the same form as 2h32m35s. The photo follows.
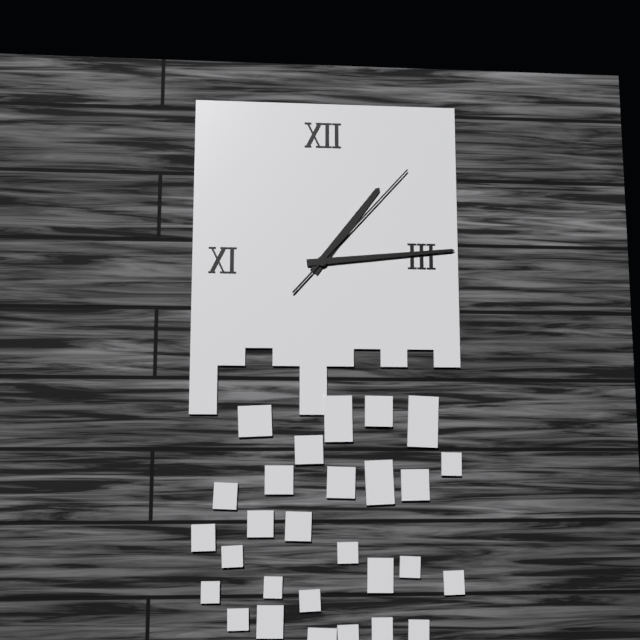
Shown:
1h14m07s
